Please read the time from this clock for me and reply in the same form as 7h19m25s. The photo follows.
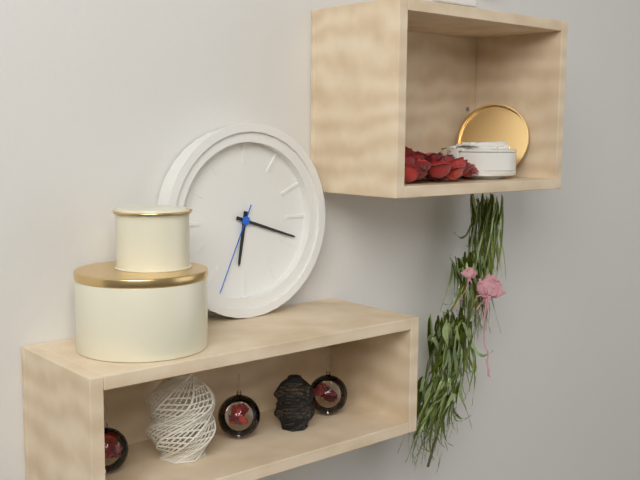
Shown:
6h18m34s
